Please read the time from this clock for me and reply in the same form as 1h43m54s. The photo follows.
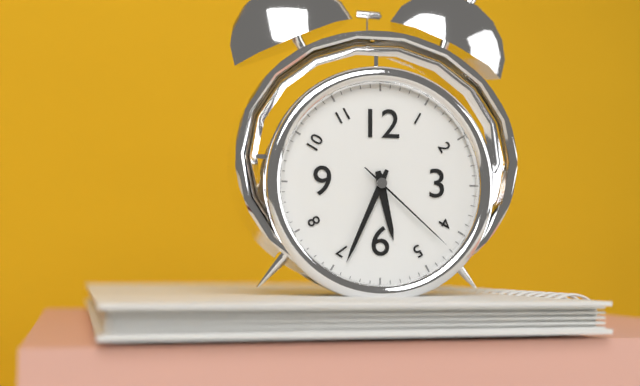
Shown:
5h34m22s
